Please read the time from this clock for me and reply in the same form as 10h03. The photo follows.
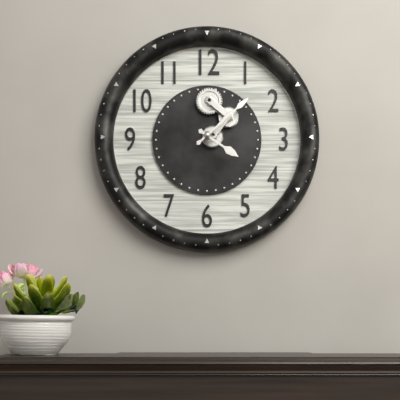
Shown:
4h08
